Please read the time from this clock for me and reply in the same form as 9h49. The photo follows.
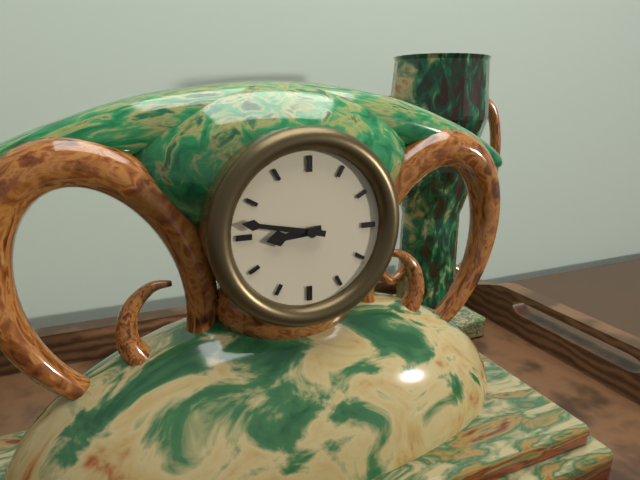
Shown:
8h47
